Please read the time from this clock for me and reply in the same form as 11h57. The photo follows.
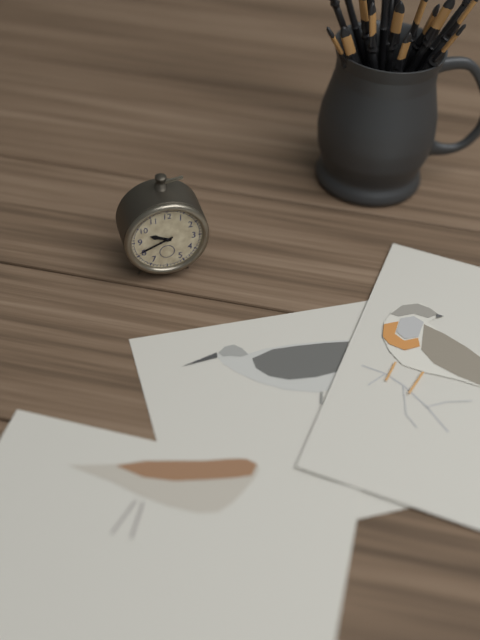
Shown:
9h41
